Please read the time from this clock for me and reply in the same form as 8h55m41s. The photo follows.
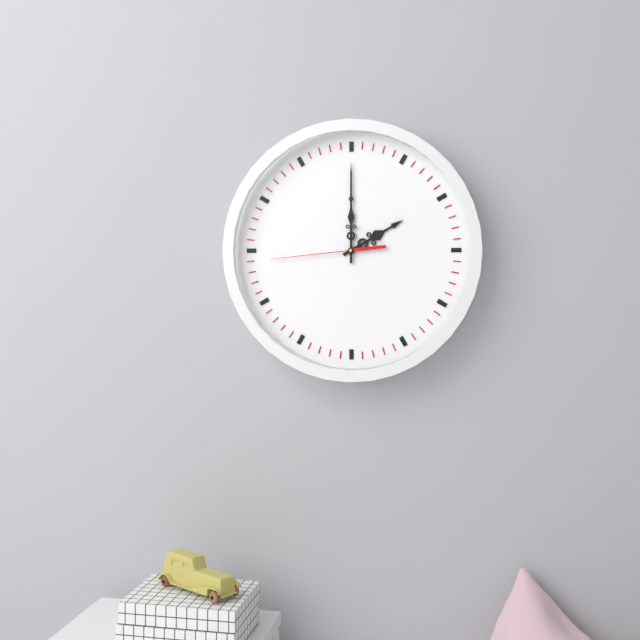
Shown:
2h00m44s
